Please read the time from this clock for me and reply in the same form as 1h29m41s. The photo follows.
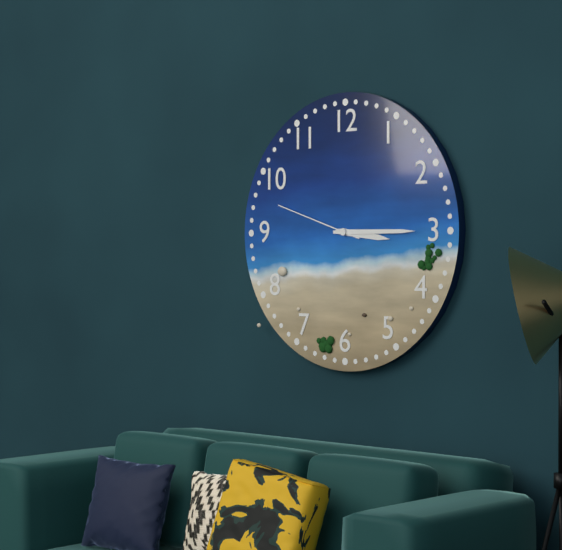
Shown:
3h15m48s
